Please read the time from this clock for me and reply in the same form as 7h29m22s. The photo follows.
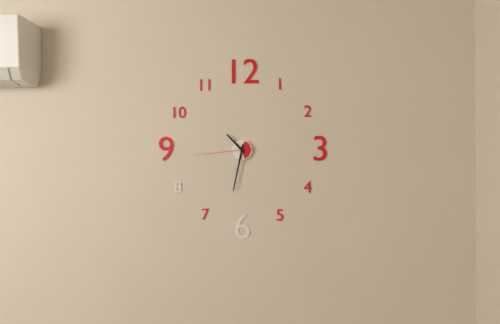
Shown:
10h32m44s
